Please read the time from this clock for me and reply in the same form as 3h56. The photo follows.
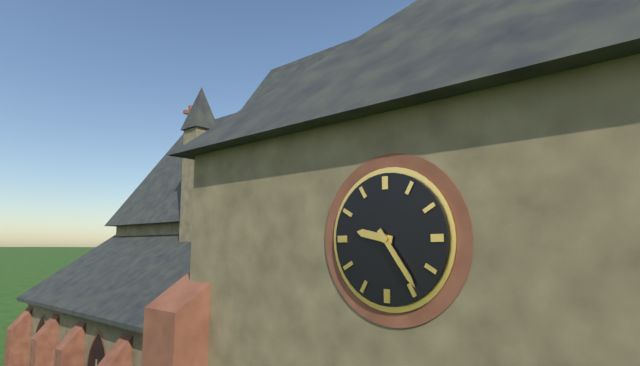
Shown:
9h24
